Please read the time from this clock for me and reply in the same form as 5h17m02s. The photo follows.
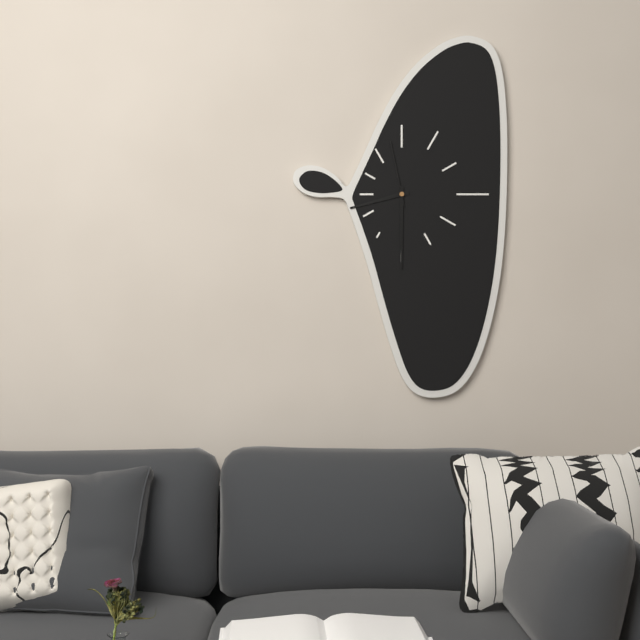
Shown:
8h30m58s
